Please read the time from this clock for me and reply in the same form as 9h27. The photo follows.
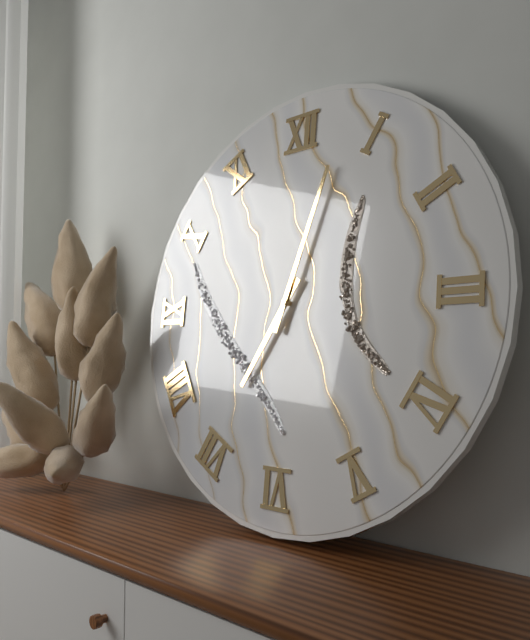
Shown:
7h03
